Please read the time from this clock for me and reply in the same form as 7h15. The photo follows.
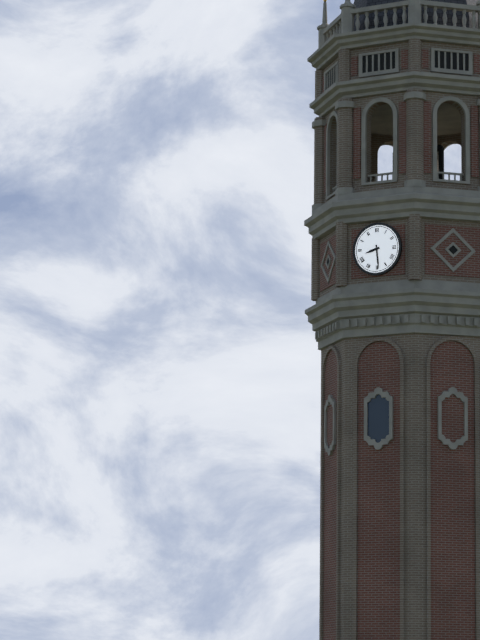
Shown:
8h29
